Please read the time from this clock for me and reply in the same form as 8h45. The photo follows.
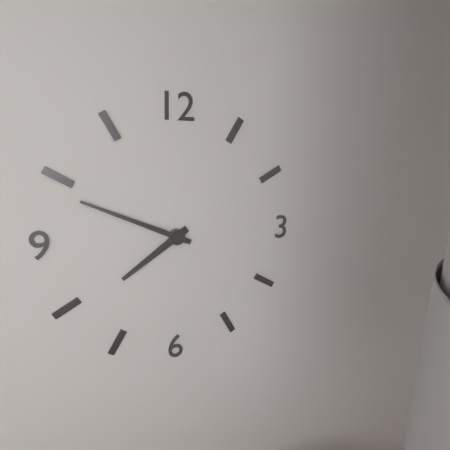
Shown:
7h49
